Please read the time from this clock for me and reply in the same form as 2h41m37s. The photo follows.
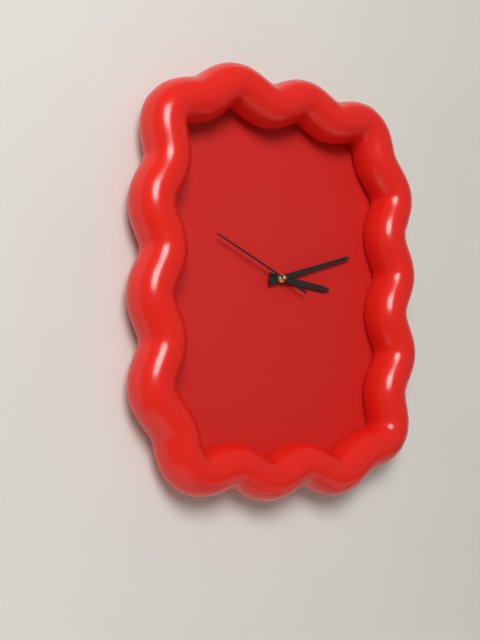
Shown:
3h12m49s
